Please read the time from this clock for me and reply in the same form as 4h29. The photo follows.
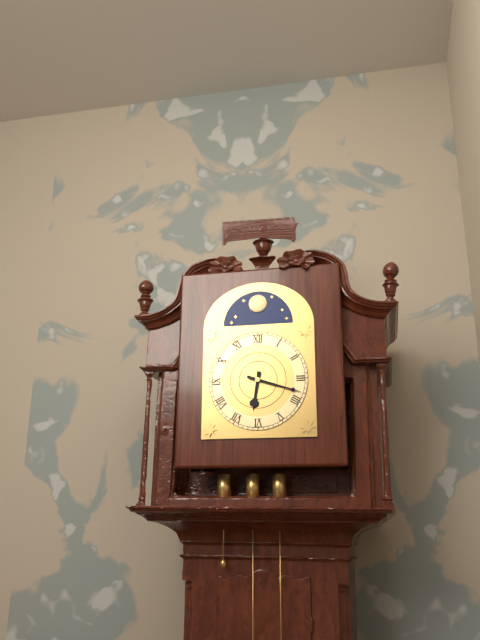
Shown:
6h18
